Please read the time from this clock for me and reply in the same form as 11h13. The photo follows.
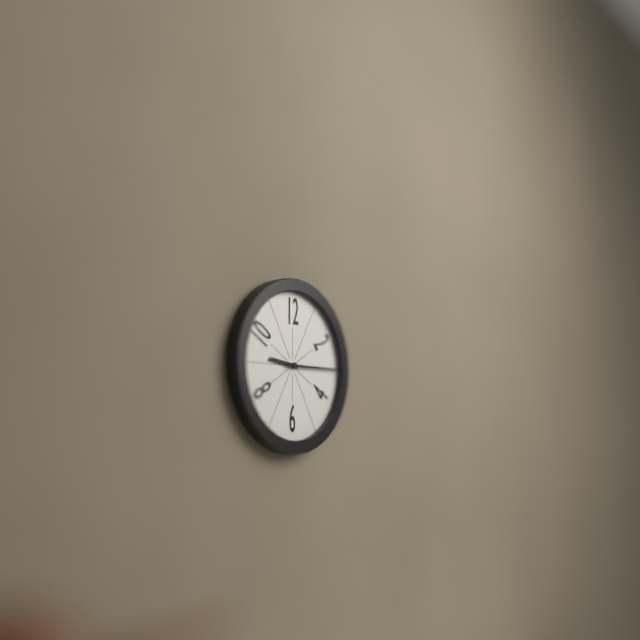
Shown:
9h15
